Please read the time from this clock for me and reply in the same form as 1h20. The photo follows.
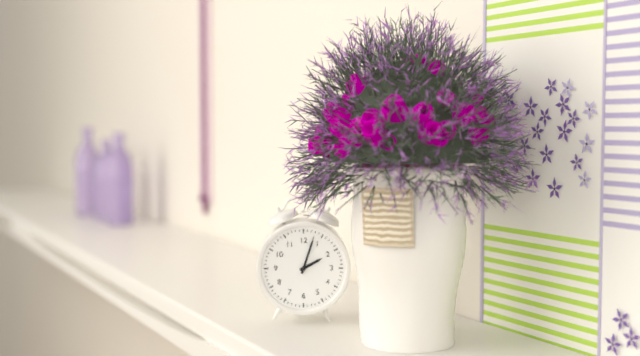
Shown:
2h03
